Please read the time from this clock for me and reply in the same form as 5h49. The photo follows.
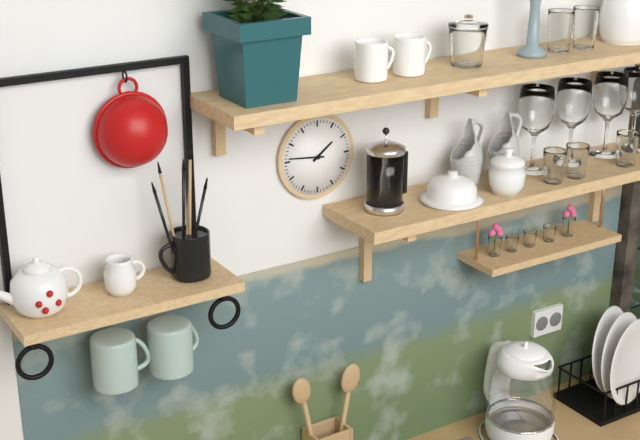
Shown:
1h46
